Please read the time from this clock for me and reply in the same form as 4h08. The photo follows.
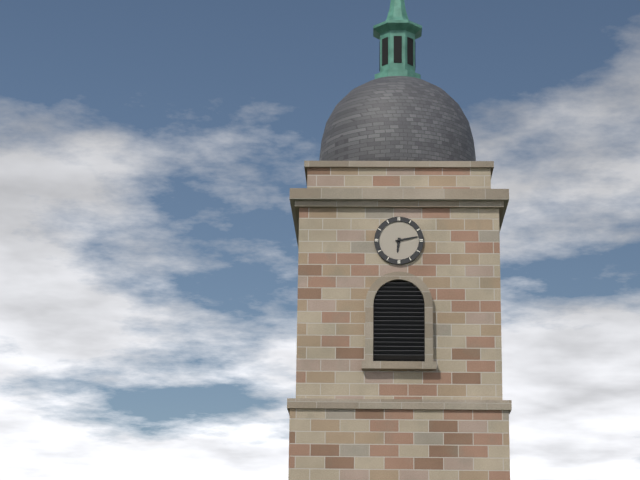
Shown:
6h13
